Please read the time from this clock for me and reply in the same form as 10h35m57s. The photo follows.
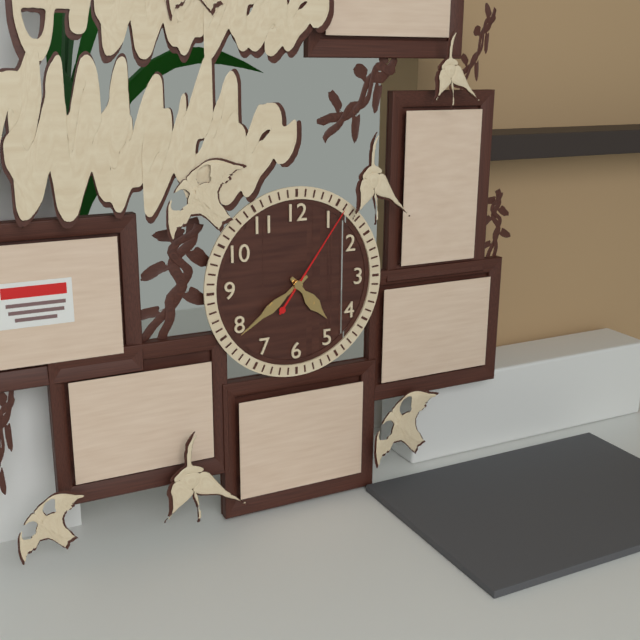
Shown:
4h39m06s
